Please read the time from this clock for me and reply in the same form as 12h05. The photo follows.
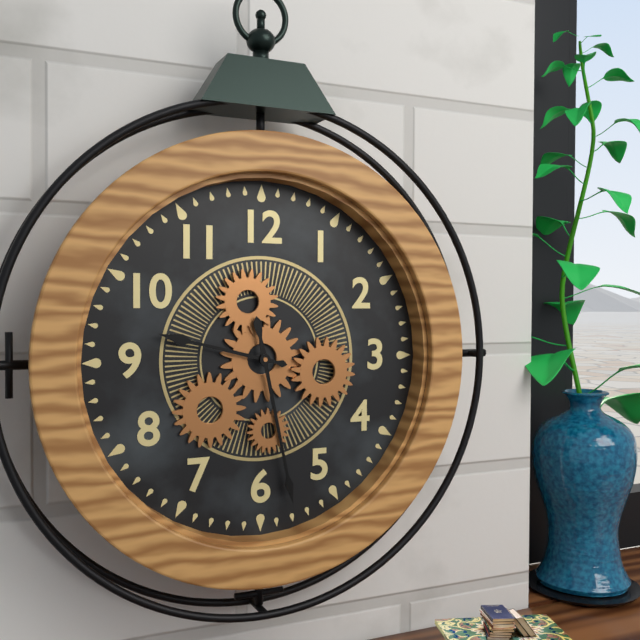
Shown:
9h28
